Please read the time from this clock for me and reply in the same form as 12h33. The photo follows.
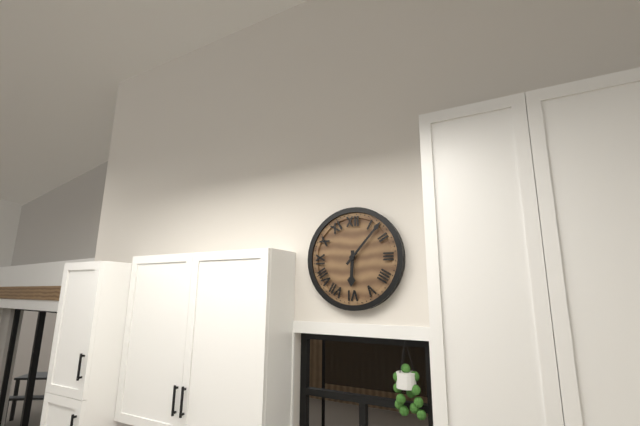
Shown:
6h07
